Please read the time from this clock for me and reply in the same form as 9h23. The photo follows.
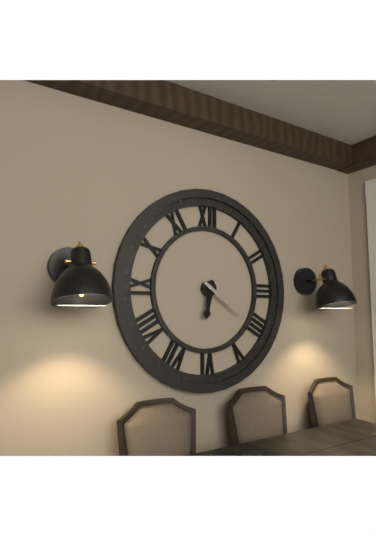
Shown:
6h21
